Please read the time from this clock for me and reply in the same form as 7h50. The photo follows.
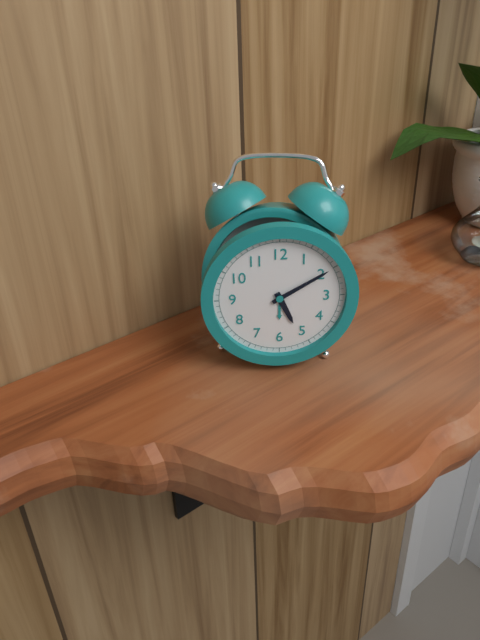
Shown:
5h10
